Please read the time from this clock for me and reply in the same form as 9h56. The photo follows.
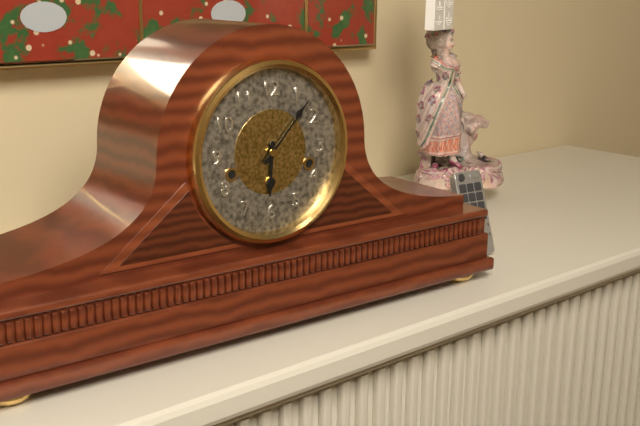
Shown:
6h07
